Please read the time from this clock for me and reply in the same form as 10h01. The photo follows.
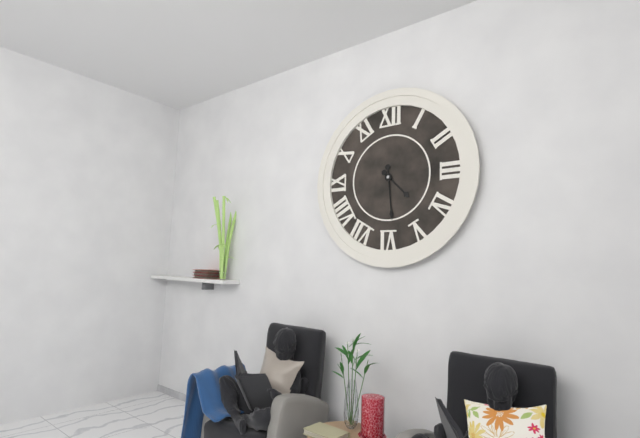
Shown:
4h29
